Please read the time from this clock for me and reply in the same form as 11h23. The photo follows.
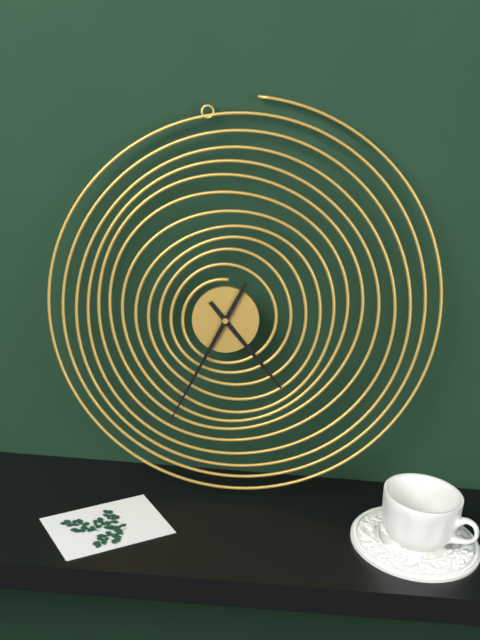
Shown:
4h34
